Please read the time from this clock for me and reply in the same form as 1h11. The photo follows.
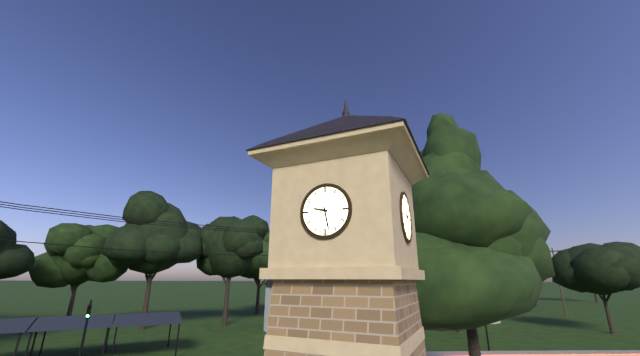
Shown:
9h28
